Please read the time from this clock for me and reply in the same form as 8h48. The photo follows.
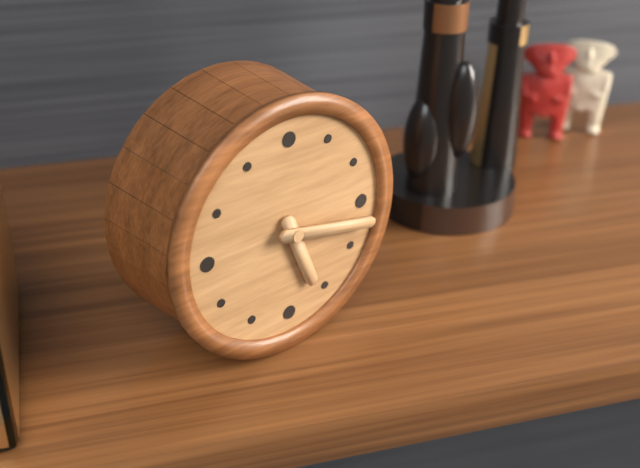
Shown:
5h17
